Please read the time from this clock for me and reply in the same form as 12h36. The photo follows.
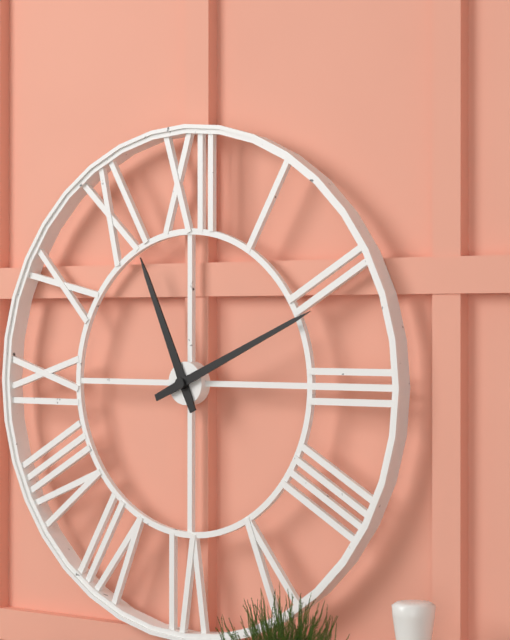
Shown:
11h11
